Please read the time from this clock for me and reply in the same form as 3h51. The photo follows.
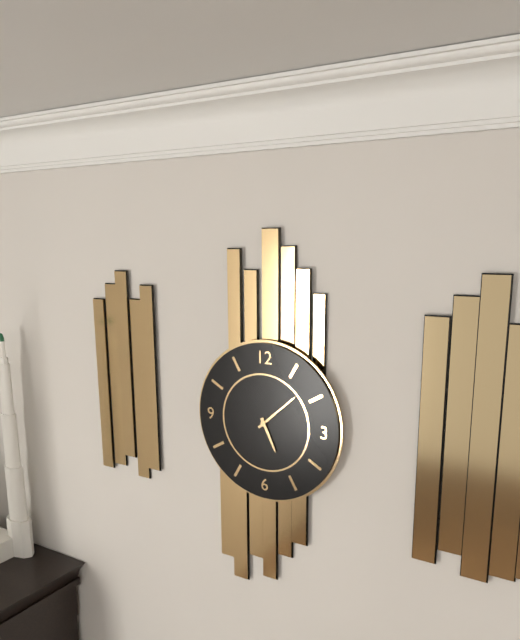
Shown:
5h08
